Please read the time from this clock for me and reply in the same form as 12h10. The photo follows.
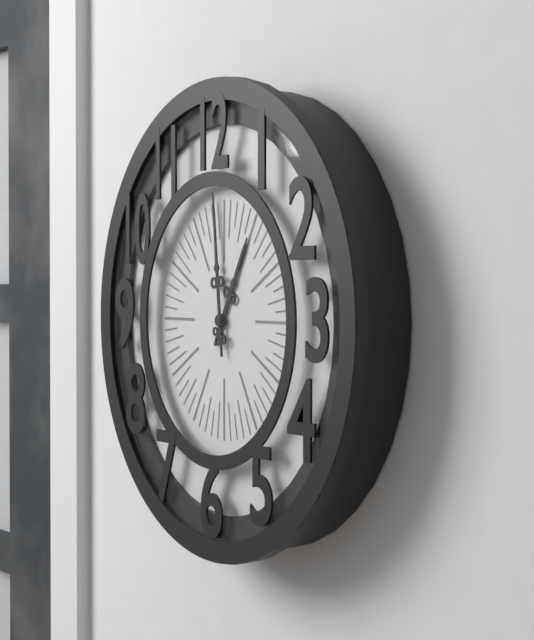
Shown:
12h59
